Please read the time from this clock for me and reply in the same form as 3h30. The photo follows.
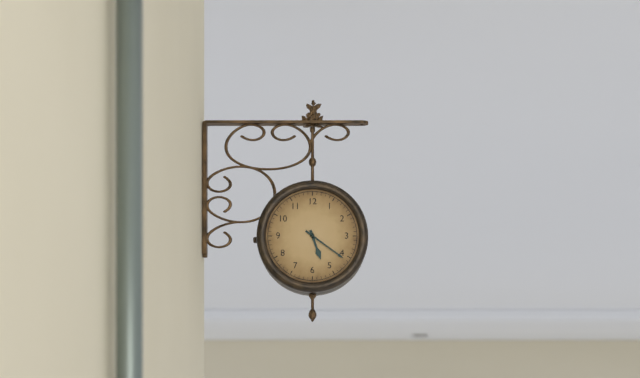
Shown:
5h21
